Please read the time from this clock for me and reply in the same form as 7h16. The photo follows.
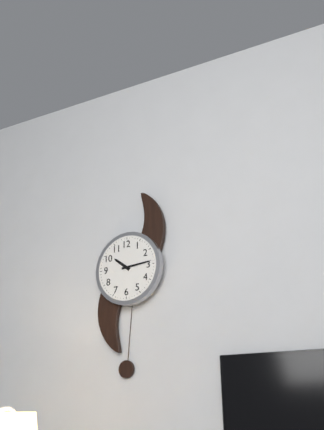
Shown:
10h14
